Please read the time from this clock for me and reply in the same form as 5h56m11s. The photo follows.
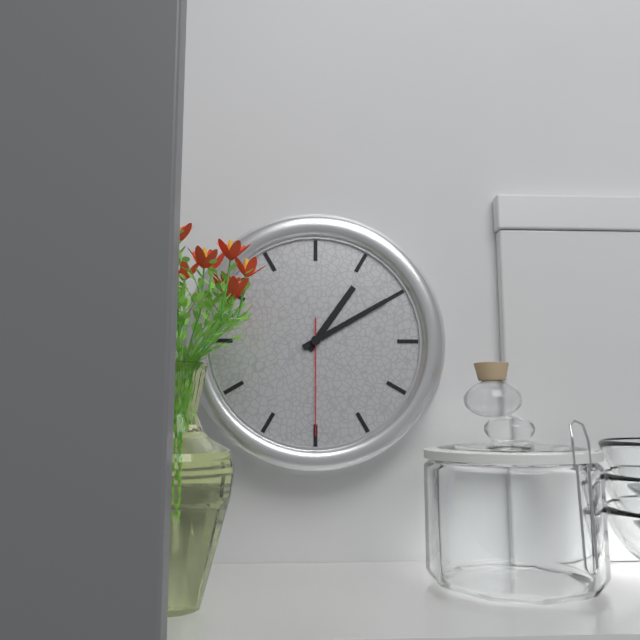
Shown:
1h10m30s
